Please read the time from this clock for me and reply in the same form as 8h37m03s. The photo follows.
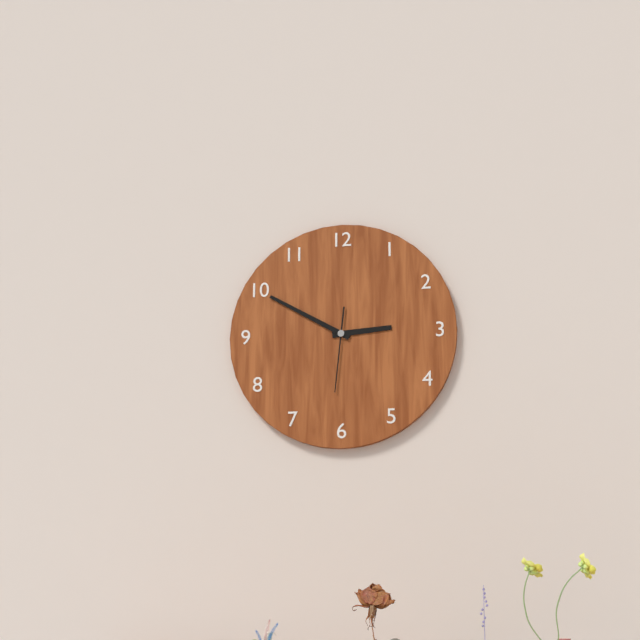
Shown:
2h50m31s
